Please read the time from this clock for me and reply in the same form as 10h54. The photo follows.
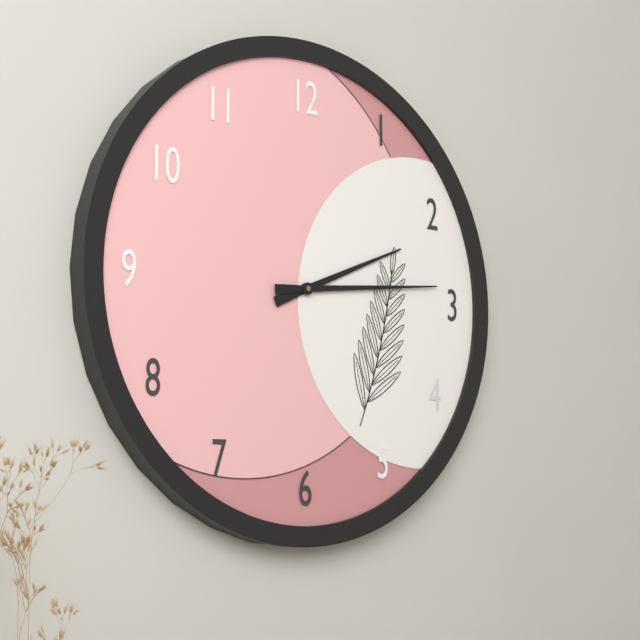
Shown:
2h14
